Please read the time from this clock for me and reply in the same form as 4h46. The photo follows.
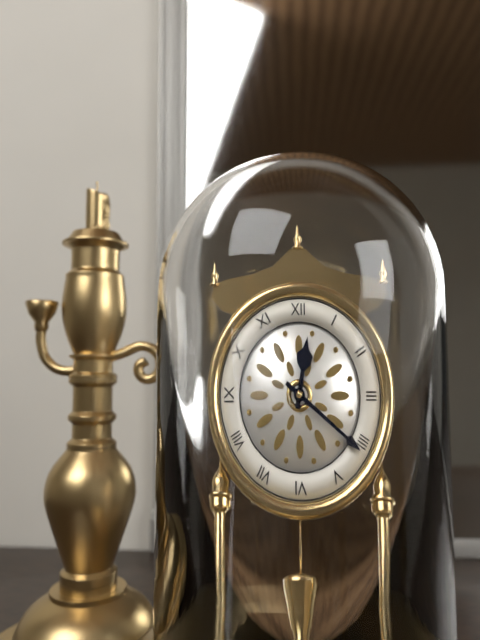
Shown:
12h21
